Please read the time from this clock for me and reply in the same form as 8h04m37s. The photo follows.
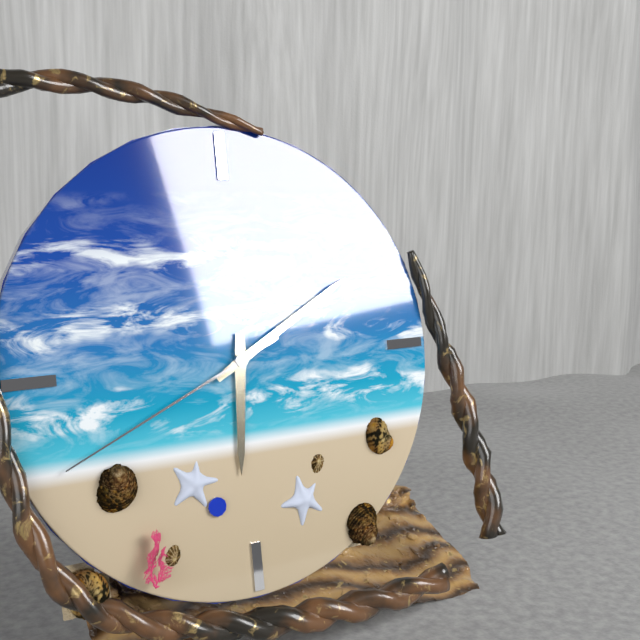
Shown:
6h10m41s
